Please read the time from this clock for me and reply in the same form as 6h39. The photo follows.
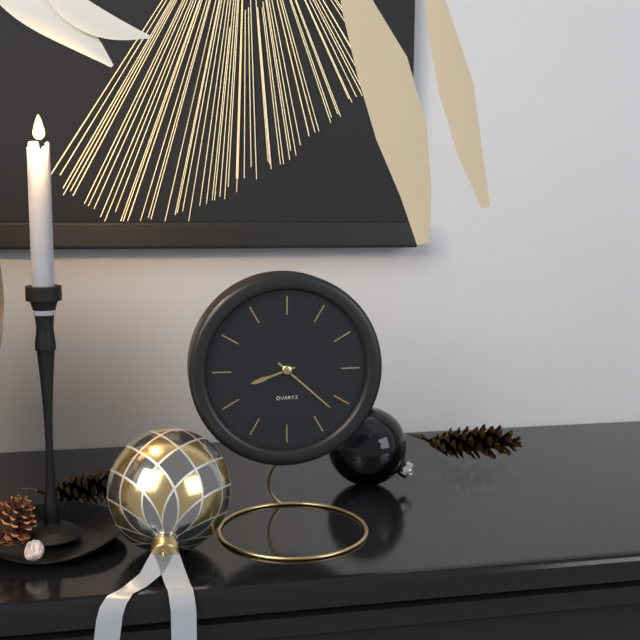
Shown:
8h22
